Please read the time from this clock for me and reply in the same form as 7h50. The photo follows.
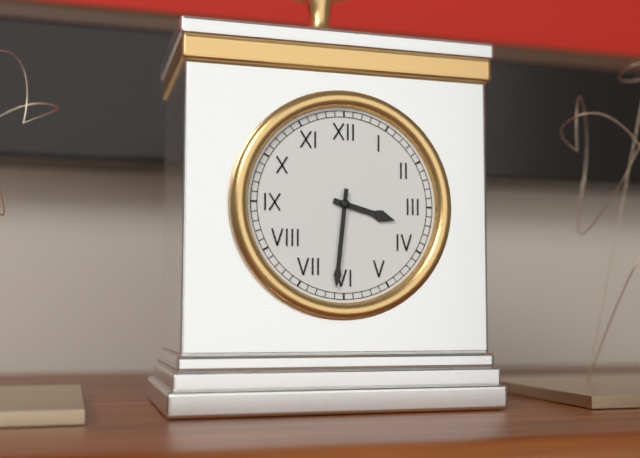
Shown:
3h31
